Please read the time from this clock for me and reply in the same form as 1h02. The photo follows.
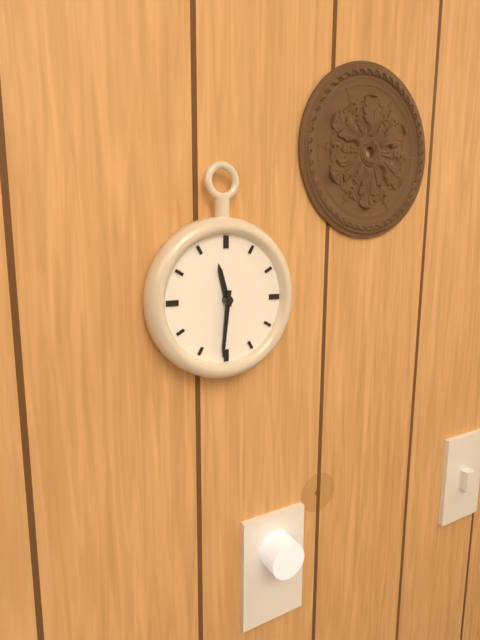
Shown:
11h31
